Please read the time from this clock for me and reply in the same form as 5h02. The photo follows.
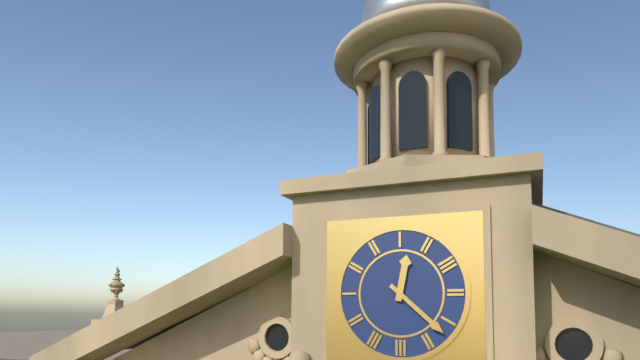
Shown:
12h22
